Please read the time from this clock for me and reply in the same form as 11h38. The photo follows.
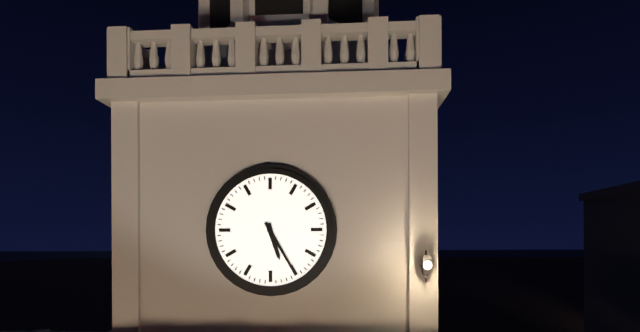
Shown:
5h25
